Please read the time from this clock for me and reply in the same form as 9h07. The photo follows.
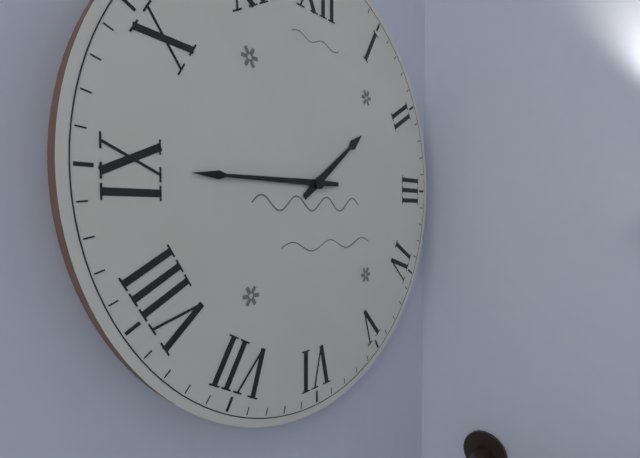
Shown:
1h45
